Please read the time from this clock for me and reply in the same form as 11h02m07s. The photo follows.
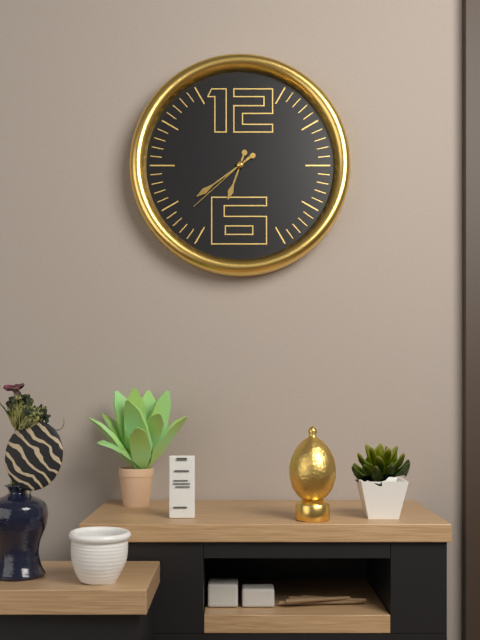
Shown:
6h39m38s
